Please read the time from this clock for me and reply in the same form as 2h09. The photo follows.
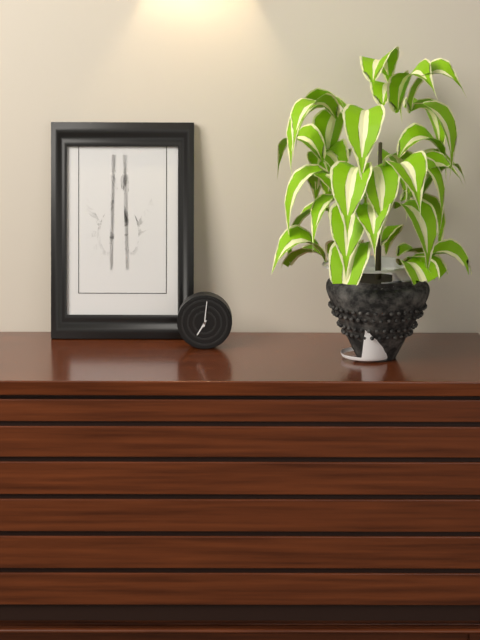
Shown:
7h01
